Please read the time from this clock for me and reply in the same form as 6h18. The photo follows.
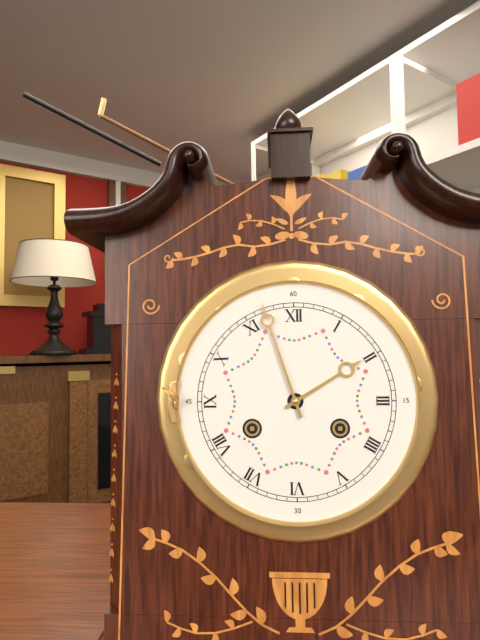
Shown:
1h57
